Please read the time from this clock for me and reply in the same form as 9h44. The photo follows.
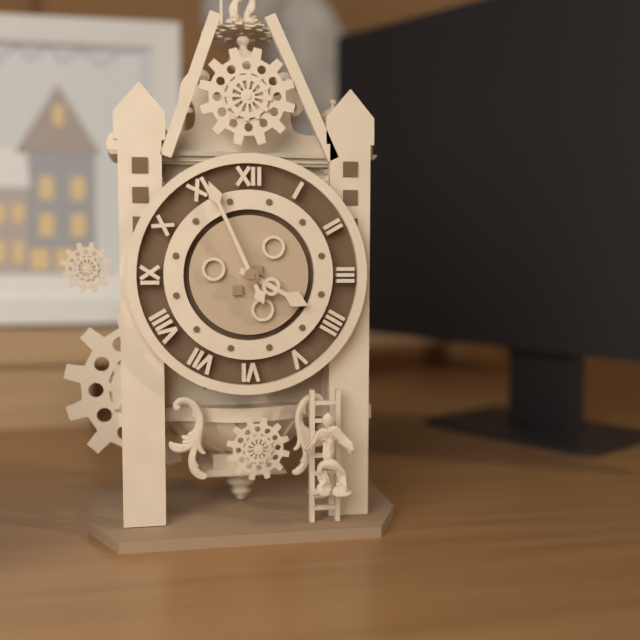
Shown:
3h56
